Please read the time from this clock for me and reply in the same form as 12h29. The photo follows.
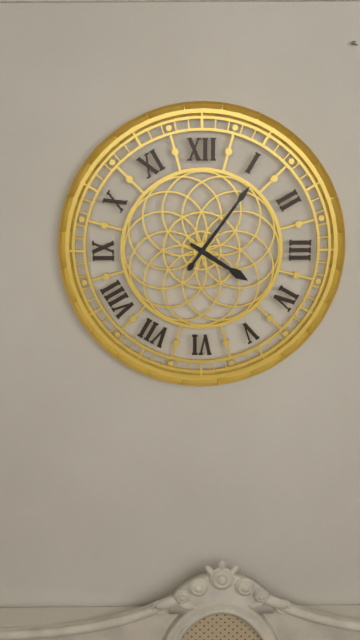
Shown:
4h06
